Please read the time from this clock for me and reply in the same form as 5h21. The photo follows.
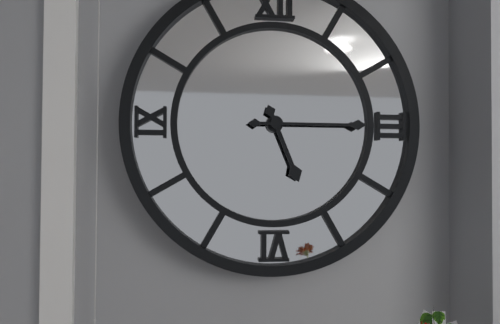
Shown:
5h15
